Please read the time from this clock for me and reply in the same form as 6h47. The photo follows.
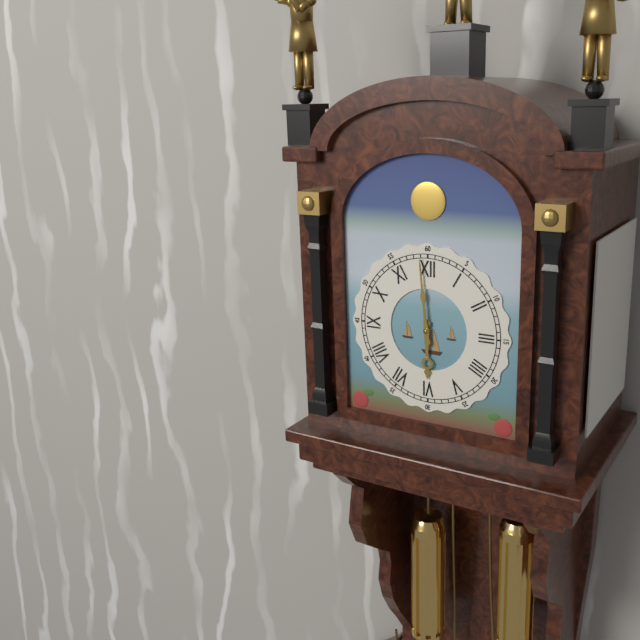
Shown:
5h59
